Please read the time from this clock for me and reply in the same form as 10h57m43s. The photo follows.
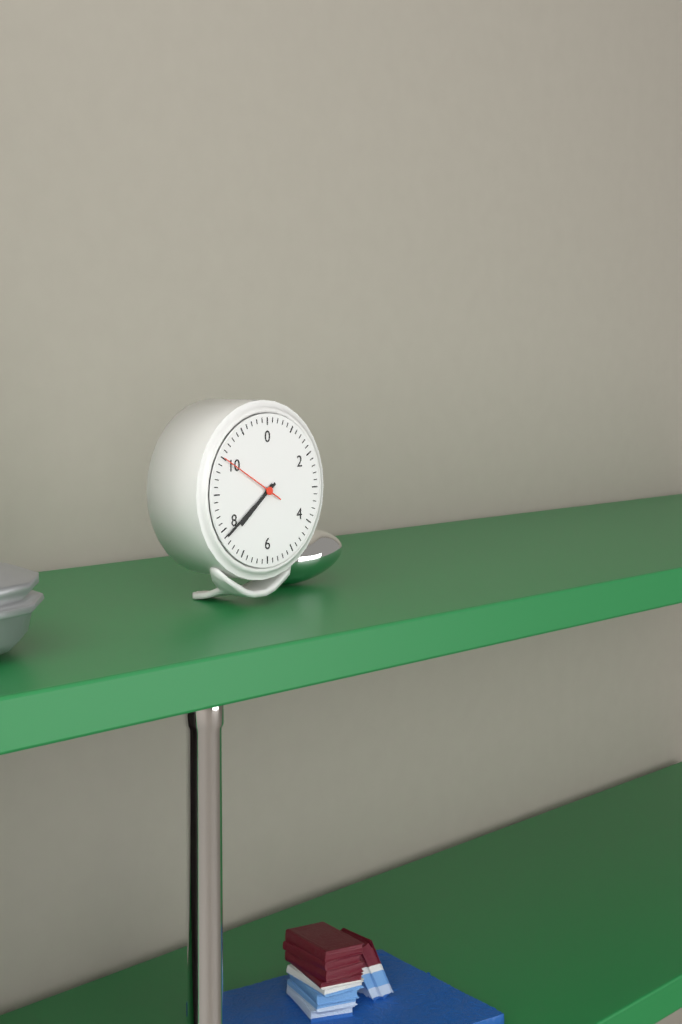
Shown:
7h39m50s
